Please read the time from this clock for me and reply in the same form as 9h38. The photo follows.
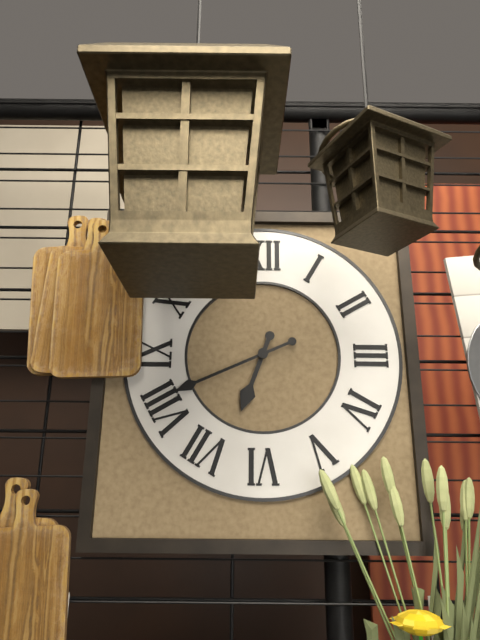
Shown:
6h41
